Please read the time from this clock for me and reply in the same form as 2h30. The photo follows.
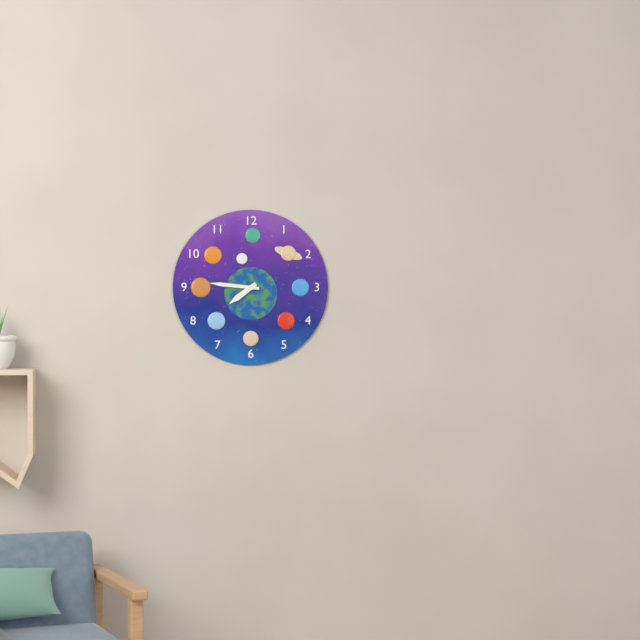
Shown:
7h46
